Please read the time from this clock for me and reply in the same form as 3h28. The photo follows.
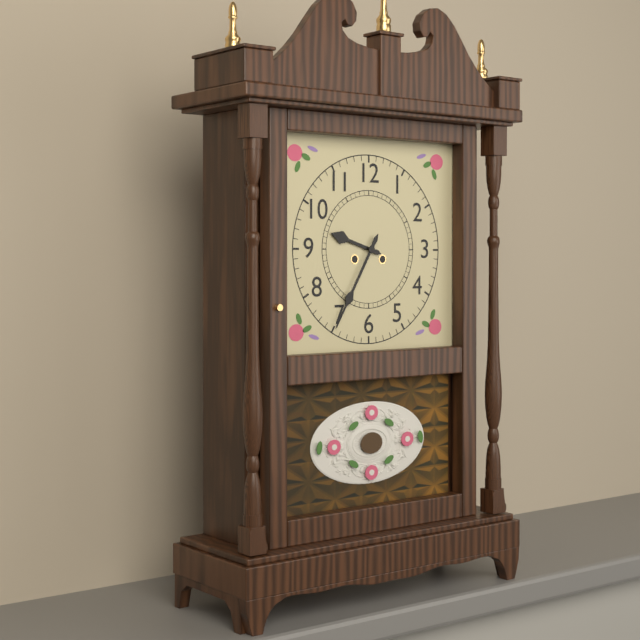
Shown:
9h35
